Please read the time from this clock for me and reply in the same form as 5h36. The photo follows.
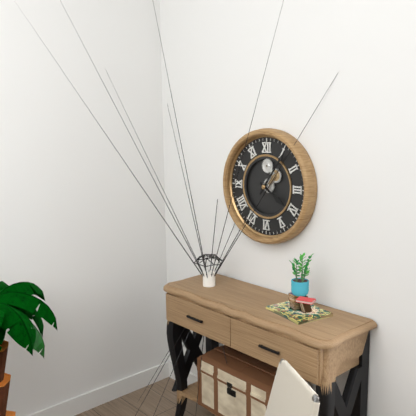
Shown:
4h06
